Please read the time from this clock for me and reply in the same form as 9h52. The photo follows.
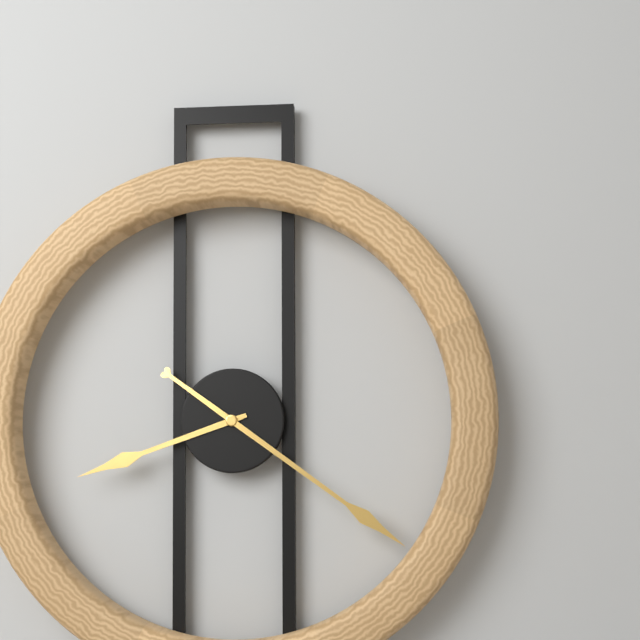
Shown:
8h21
